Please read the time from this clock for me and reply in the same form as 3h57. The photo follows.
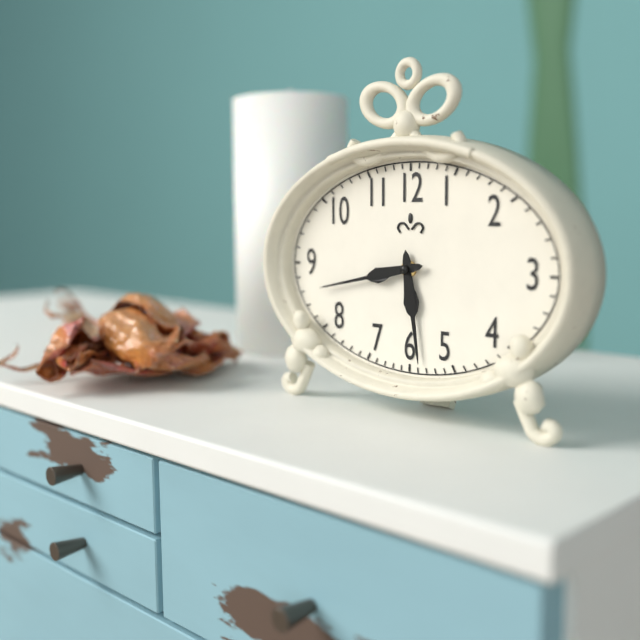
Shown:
5h43
